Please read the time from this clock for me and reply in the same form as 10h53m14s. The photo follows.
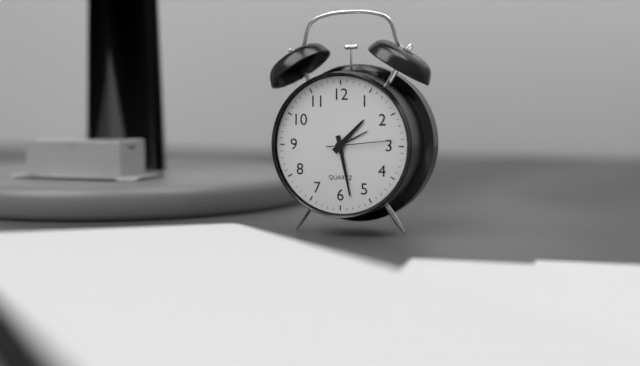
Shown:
1h28m14s
